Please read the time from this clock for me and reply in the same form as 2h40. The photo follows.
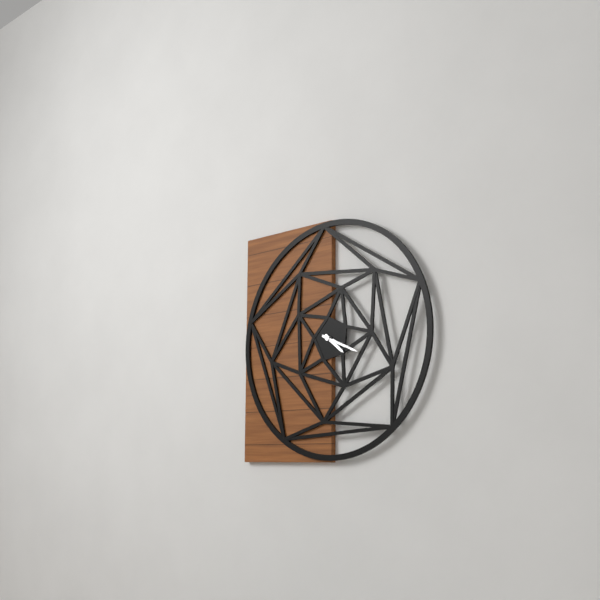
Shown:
4h19
